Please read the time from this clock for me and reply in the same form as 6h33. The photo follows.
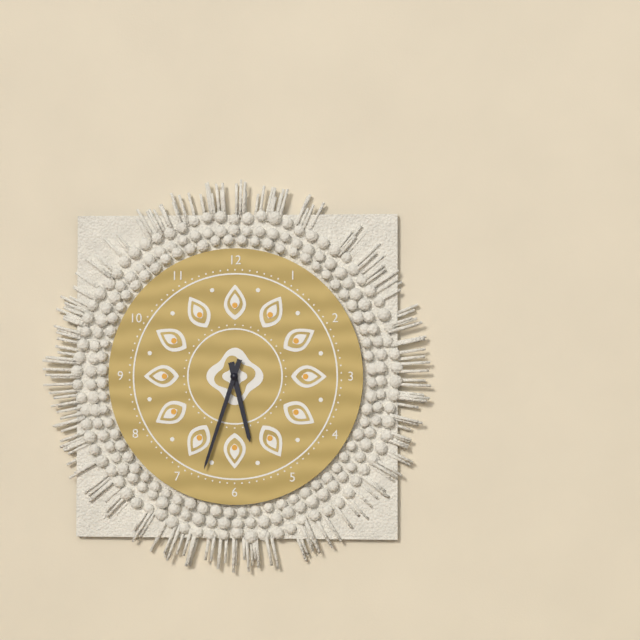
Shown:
5h33
